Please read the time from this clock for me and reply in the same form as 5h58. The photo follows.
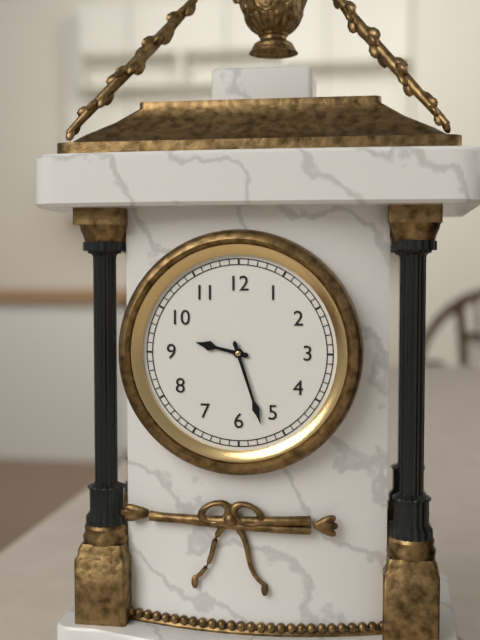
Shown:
9h27
